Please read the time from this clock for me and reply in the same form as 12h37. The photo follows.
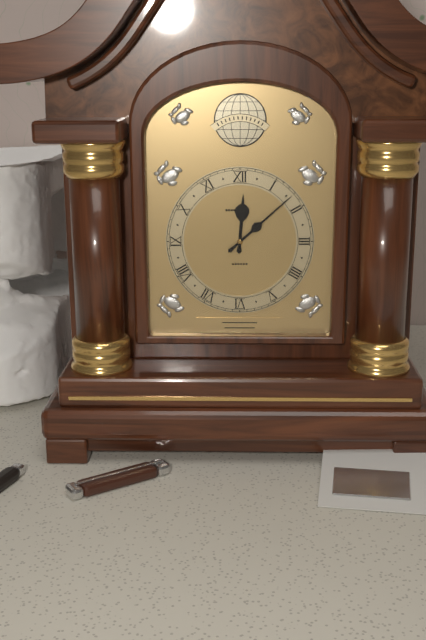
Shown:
12h08
